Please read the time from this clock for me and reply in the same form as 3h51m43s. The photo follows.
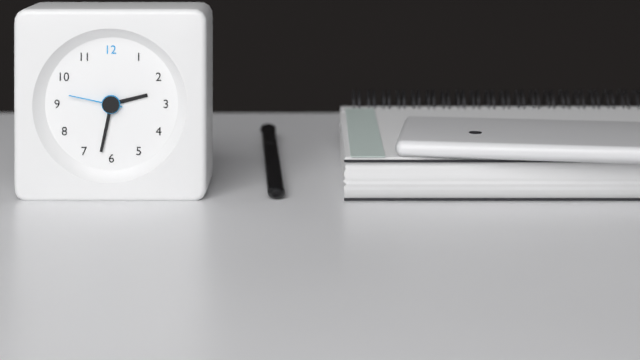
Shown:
2h32m47s
